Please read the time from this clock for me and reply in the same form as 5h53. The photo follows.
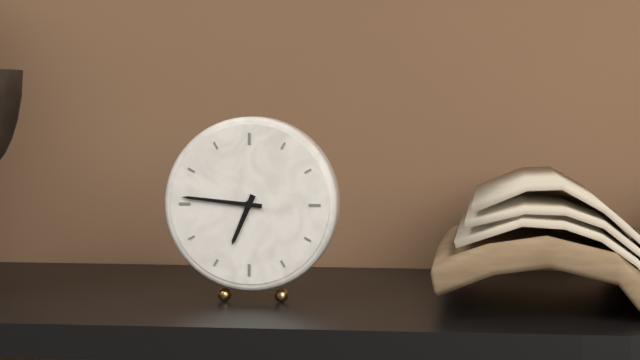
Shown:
6h46
